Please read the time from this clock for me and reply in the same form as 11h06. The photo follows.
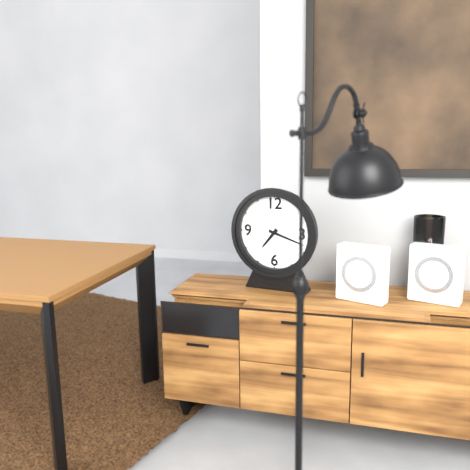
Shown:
7h18
